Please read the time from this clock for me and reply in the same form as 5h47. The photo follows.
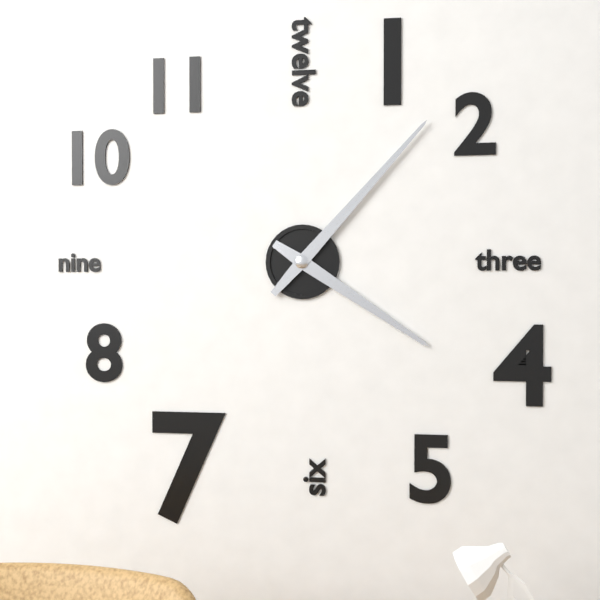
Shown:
4h07
